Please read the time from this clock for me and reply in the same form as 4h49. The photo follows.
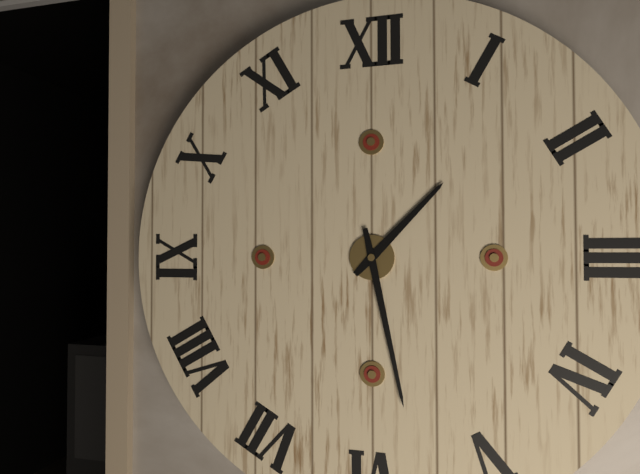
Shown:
1h28
